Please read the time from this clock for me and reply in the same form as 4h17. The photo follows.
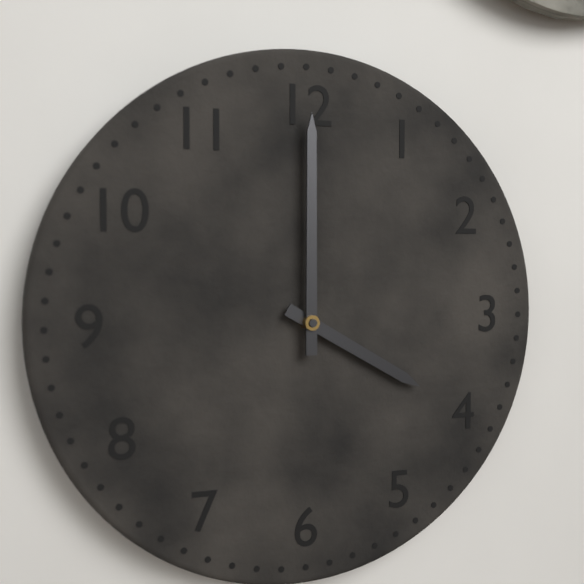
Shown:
4h00
